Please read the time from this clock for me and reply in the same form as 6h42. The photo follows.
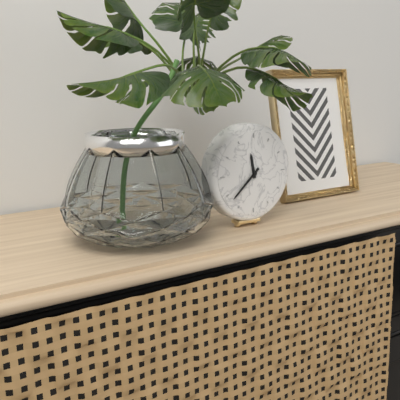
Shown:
11h38
